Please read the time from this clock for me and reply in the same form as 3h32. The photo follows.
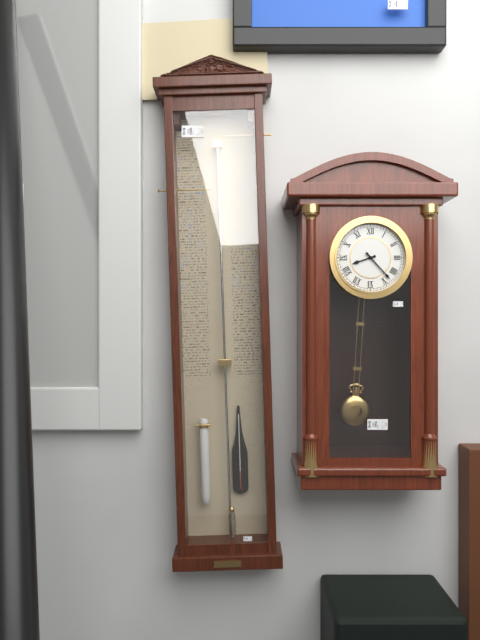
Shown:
8h23
